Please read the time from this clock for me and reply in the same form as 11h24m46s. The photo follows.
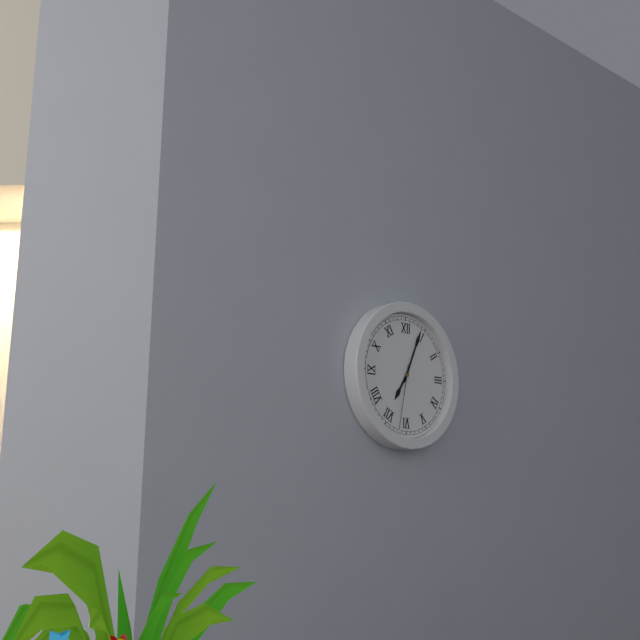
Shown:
7h04m32s
